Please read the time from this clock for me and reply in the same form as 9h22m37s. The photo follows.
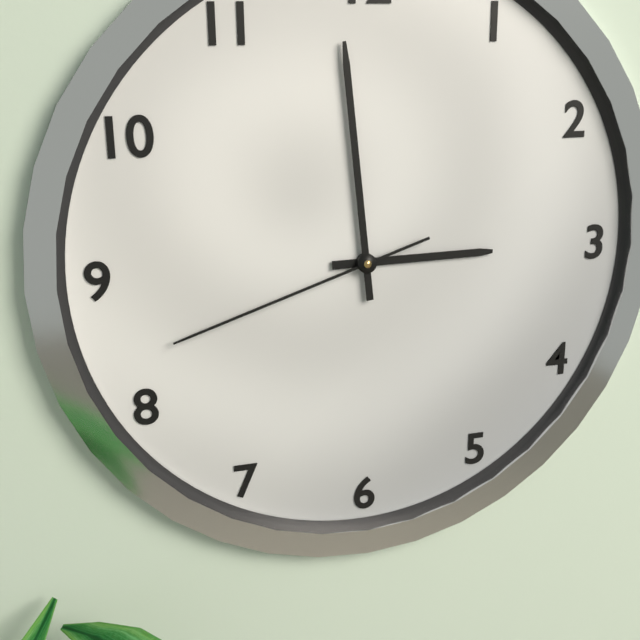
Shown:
2h59m42s
